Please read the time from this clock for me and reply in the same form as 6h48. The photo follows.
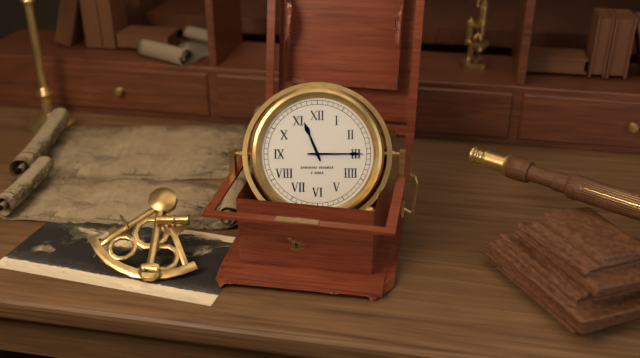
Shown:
11h15
